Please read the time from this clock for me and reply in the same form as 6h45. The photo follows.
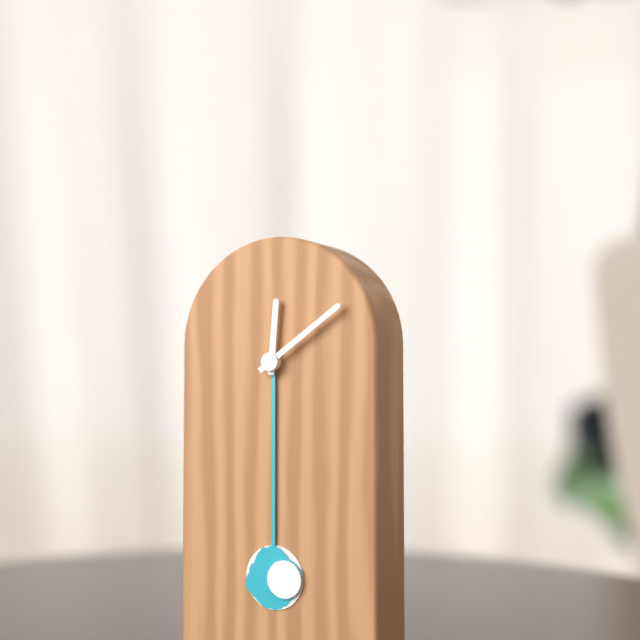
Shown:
12h09
